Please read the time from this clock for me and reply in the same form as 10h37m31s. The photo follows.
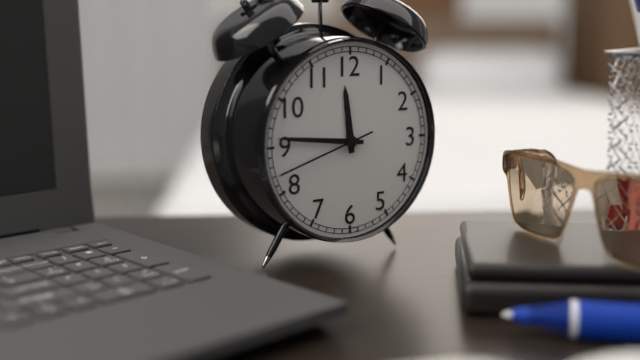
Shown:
11h46m42s
